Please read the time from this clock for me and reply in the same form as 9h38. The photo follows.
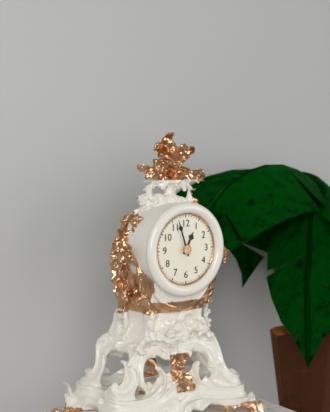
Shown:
12h57
